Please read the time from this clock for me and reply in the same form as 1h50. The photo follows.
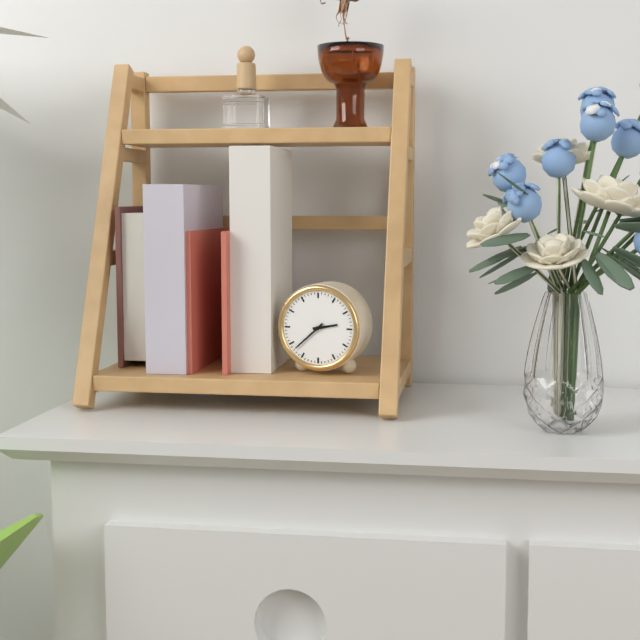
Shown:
2h38
